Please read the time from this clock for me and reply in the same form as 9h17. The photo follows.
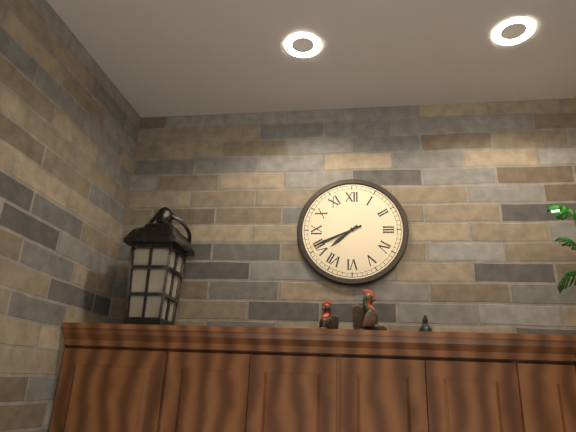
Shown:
7h41
